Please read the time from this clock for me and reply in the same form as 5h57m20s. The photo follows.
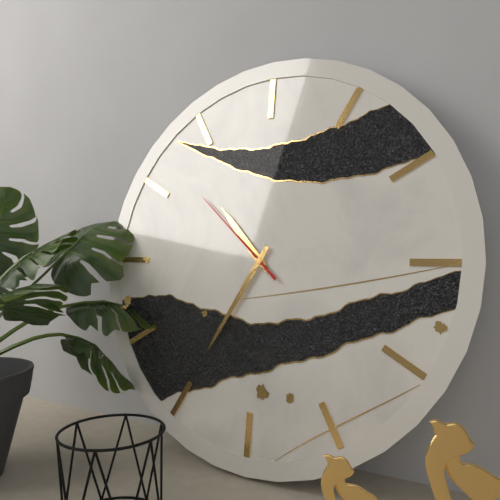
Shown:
10h35m52s
